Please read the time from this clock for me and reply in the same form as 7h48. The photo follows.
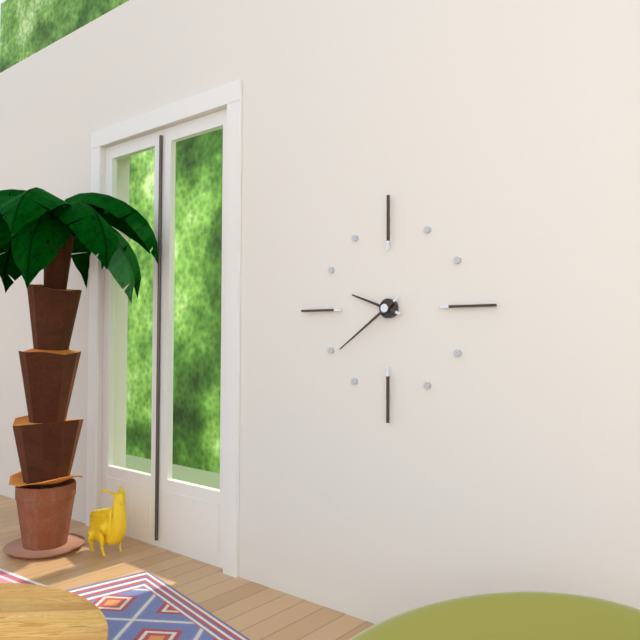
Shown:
9h39
